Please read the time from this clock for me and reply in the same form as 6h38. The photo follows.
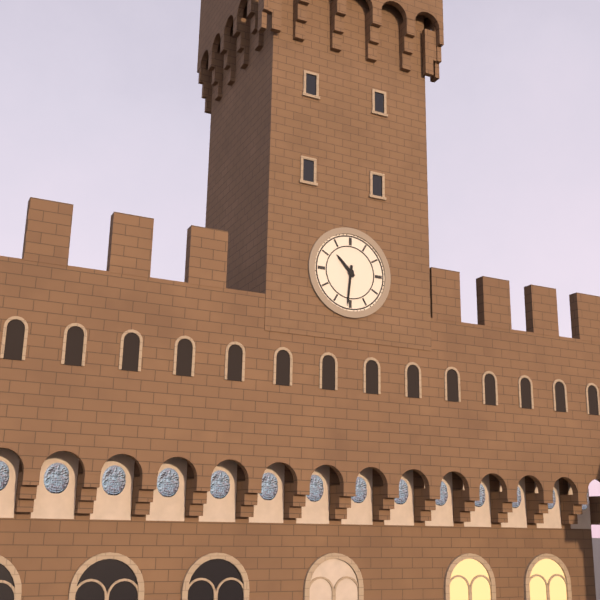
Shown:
10h31
